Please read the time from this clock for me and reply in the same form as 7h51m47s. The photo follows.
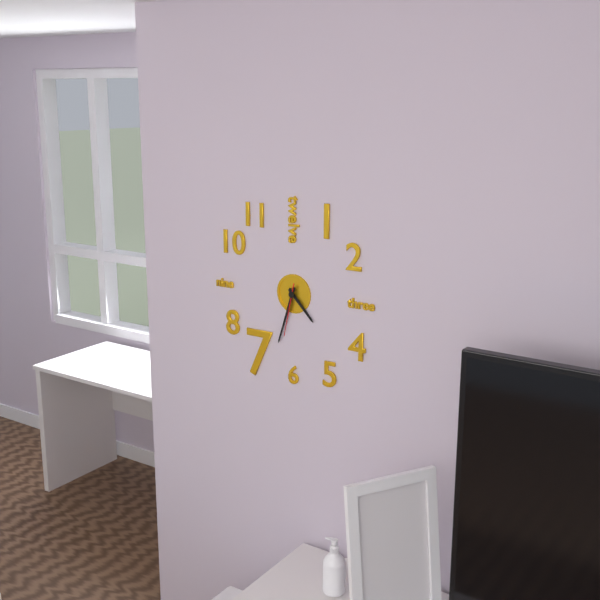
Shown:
4h33m32s
